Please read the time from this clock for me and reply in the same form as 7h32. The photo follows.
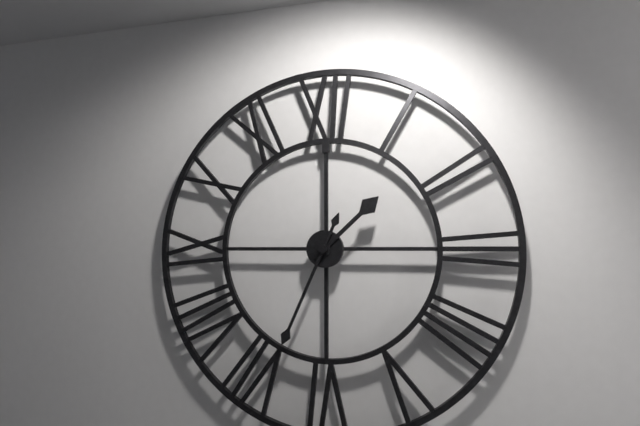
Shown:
1h34
